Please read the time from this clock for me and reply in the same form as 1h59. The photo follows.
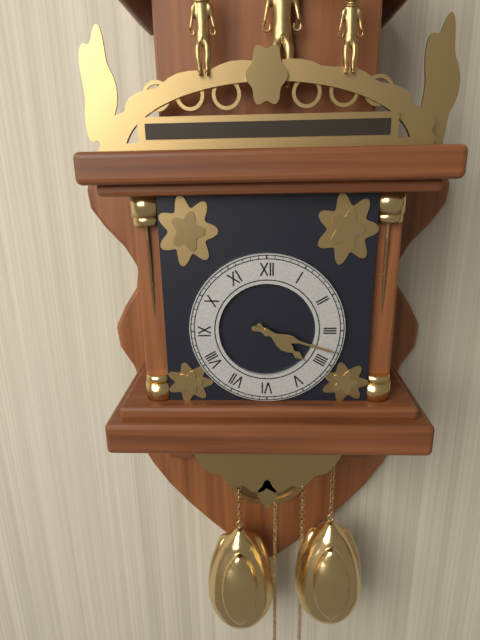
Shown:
4h18
